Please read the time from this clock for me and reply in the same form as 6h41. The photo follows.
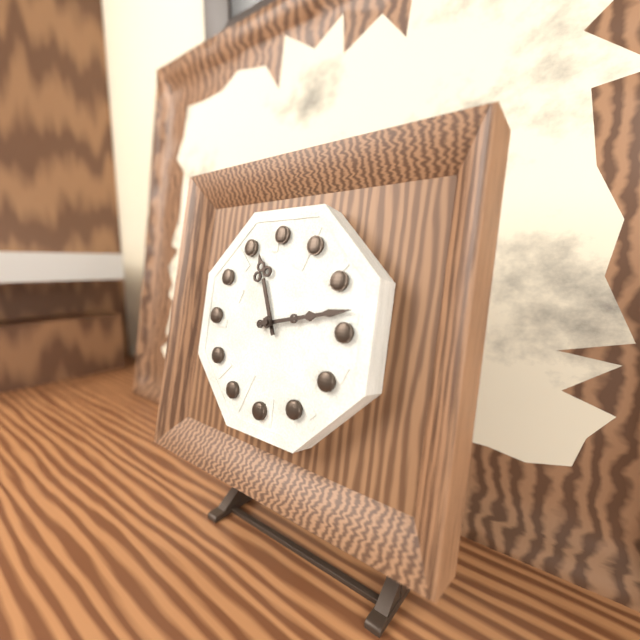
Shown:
11h13
